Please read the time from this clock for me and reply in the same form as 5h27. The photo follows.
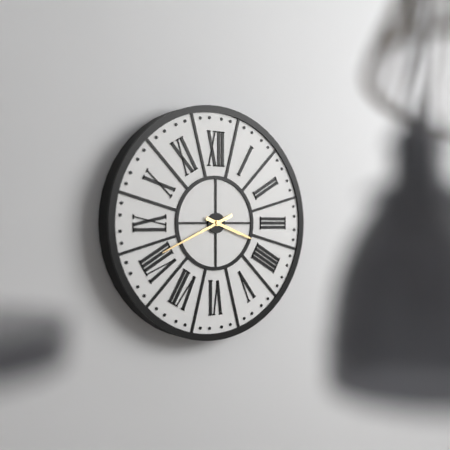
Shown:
3h41
